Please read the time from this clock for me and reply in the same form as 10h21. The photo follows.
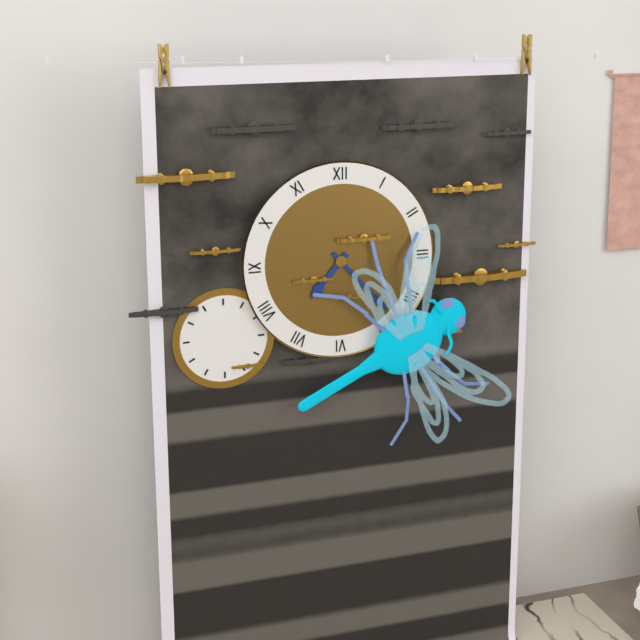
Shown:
7h23
